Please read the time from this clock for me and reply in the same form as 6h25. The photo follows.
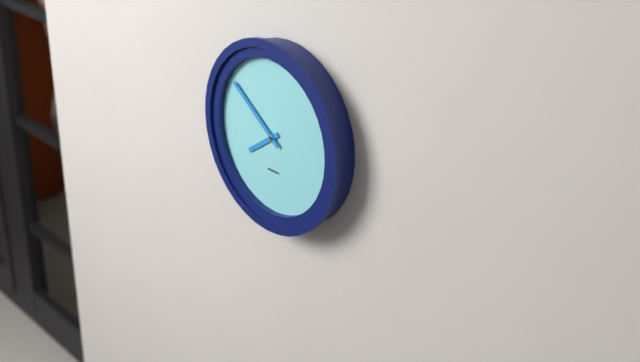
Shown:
7h51
